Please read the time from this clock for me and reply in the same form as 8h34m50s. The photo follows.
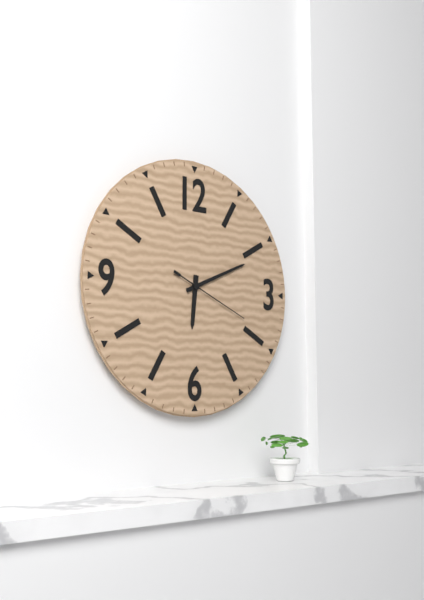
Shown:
6h11m19s
